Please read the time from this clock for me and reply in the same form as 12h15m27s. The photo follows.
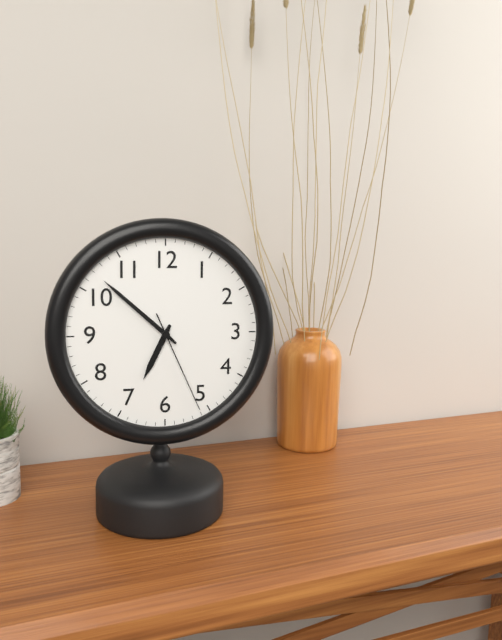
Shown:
6h52m26s
